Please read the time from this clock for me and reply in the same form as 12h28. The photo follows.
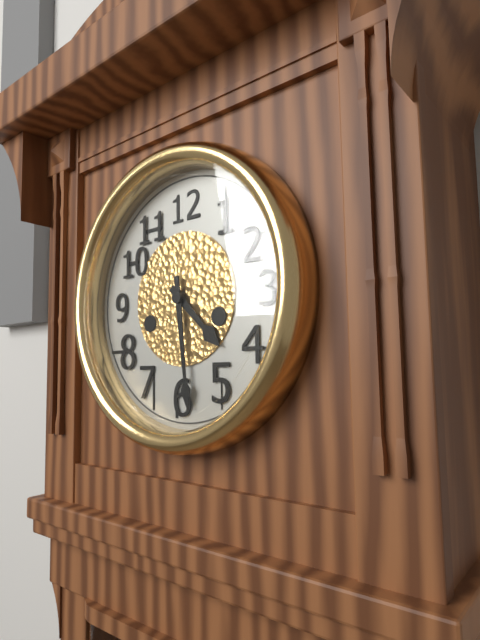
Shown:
4h29
